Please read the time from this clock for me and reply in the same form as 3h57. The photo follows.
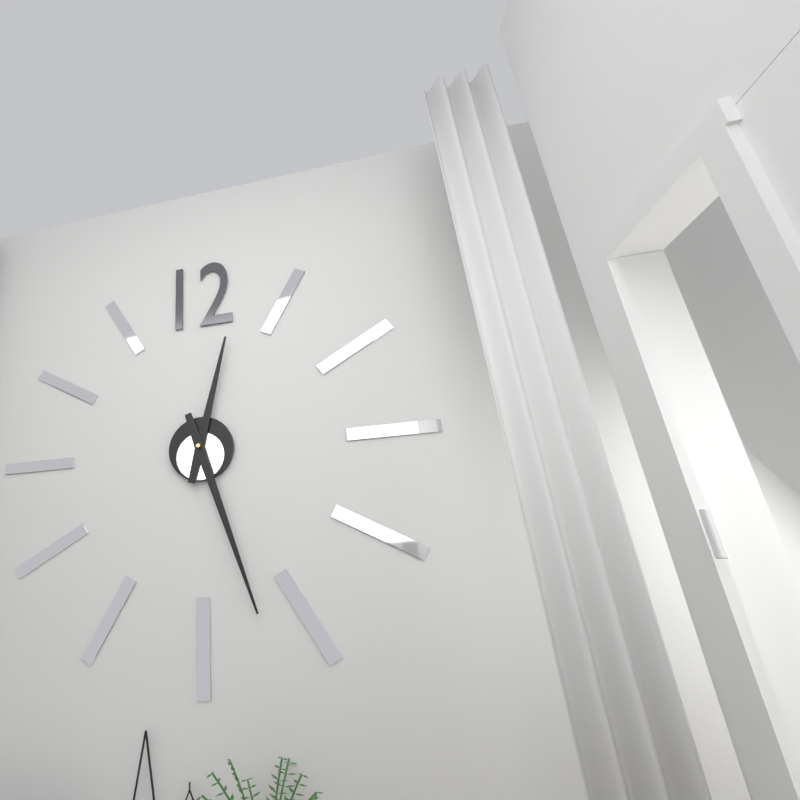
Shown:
12h27
